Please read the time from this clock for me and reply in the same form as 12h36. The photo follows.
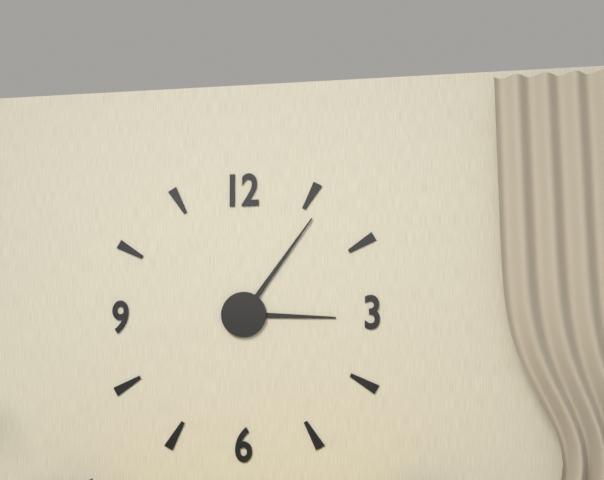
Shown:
3h06
